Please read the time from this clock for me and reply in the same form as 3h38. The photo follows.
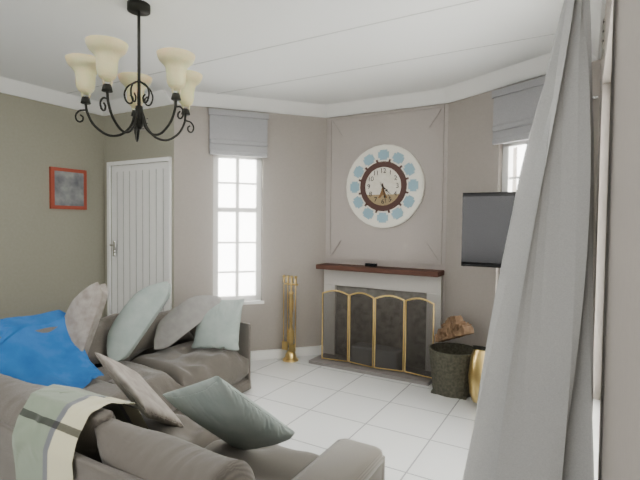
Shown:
4h28
